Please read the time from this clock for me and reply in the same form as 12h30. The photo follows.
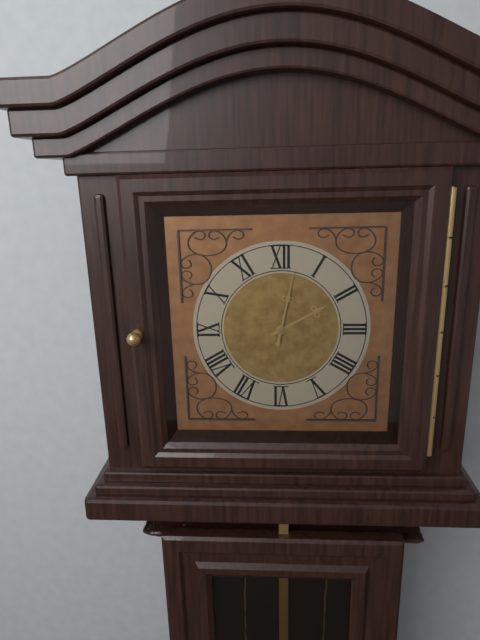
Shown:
2h02
